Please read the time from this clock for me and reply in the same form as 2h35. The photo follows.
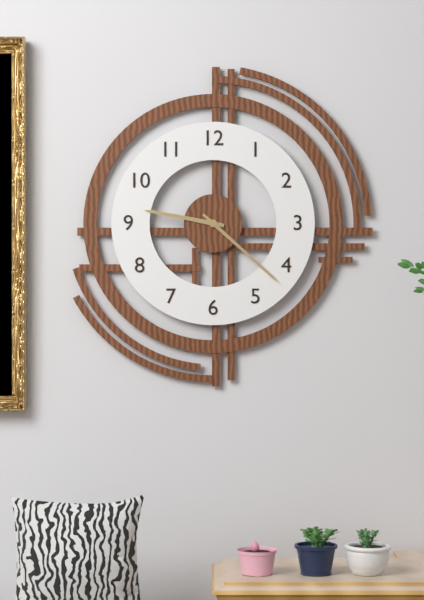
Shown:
9h22
